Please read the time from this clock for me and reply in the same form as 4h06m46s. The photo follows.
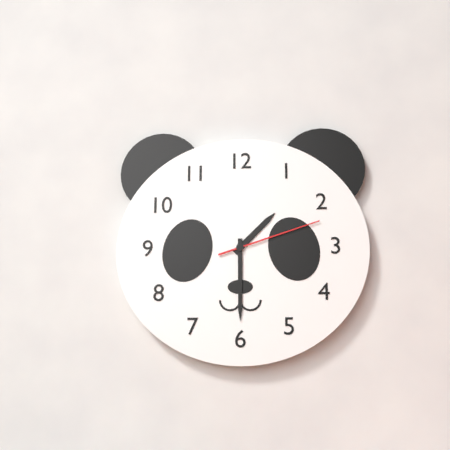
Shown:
1h30m12s
